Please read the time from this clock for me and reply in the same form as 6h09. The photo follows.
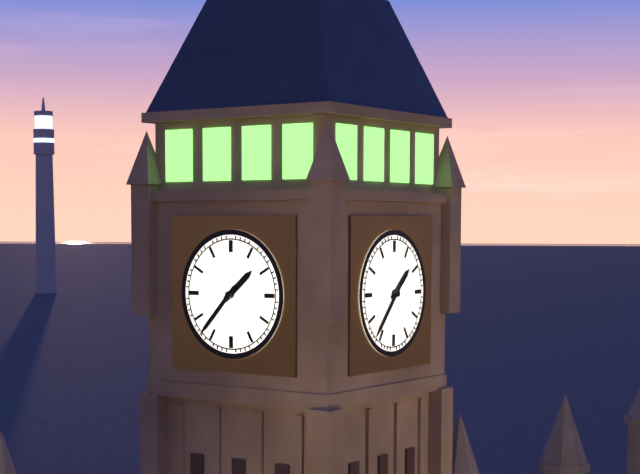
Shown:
1h37
